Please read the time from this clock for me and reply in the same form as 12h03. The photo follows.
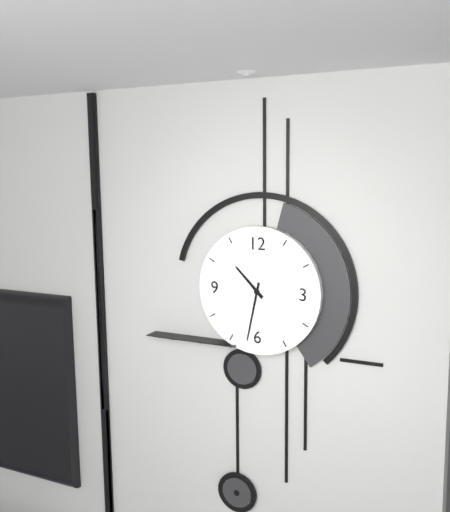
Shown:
10h32
